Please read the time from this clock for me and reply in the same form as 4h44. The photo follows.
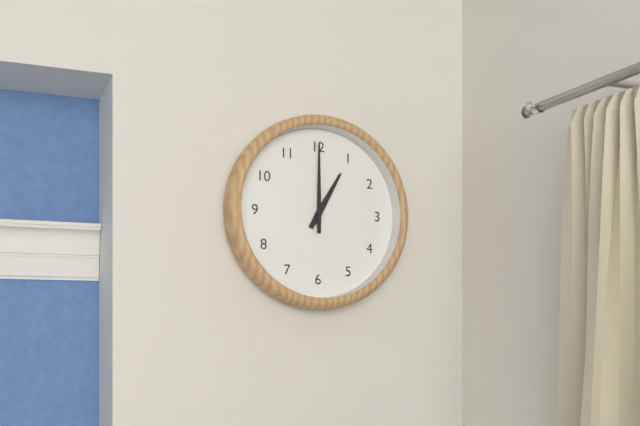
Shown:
1h00
